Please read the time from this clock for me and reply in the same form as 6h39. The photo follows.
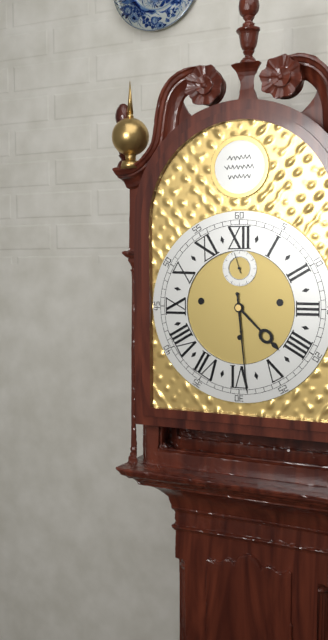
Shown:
4h29
